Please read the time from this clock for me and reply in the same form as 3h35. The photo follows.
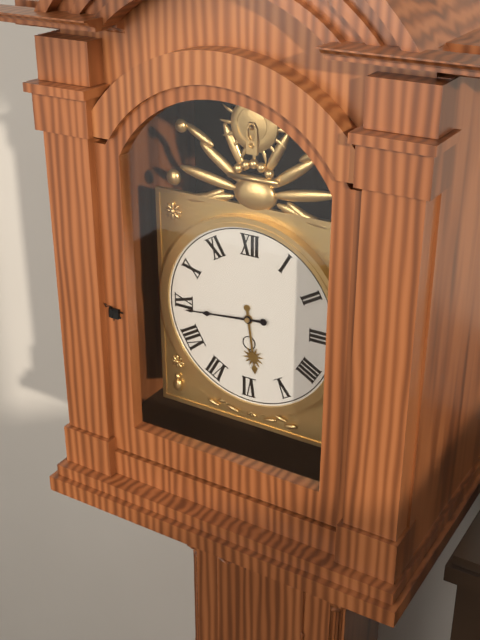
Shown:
5h44
